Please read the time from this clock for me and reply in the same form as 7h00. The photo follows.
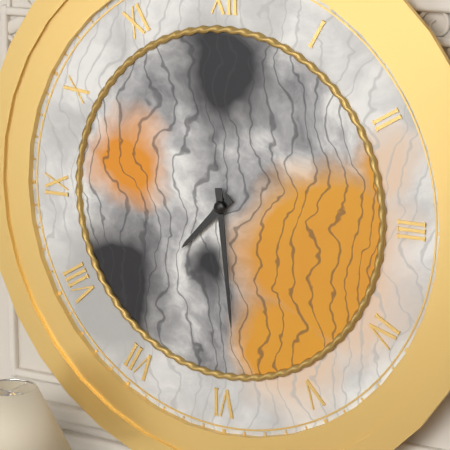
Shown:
7h29
